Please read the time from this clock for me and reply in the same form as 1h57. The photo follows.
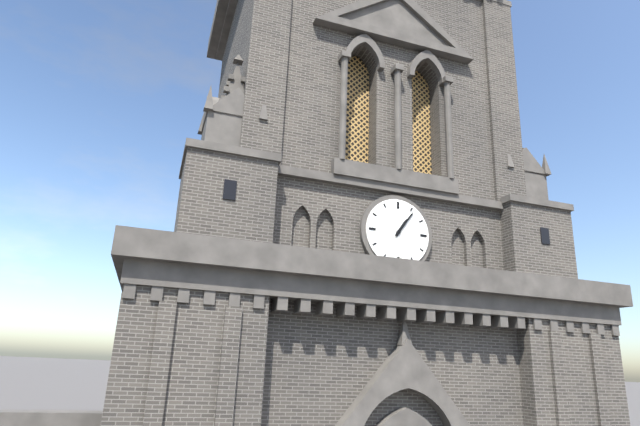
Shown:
1h06
